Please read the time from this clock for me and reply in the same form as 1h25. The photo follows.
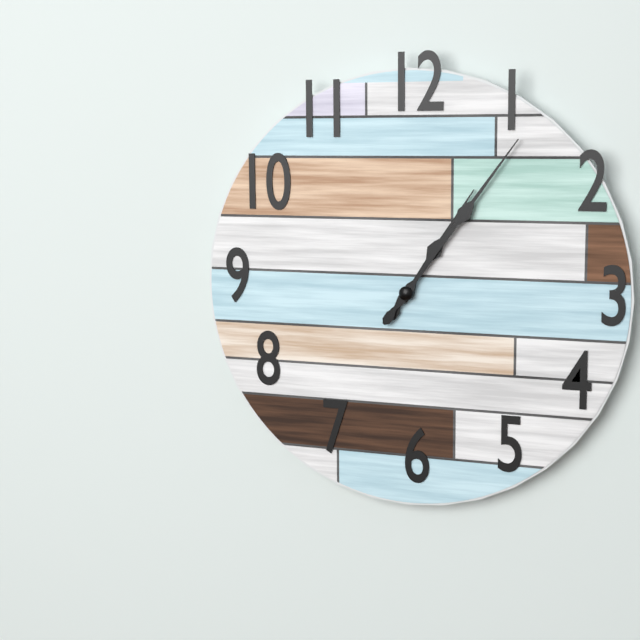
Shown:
1h06
